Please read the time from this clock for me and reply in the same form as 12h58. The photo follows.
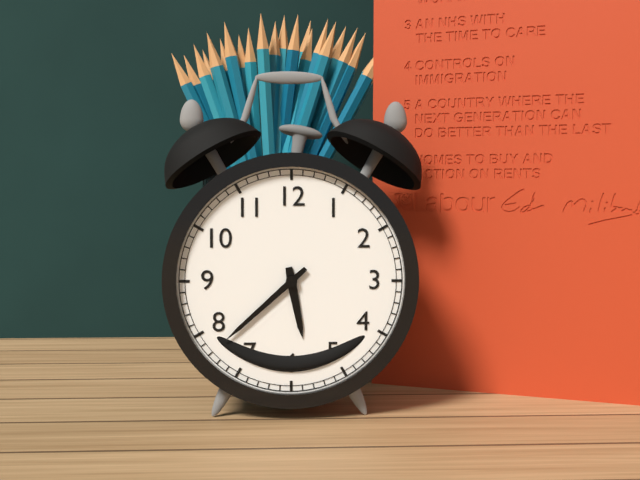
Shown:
5h38
